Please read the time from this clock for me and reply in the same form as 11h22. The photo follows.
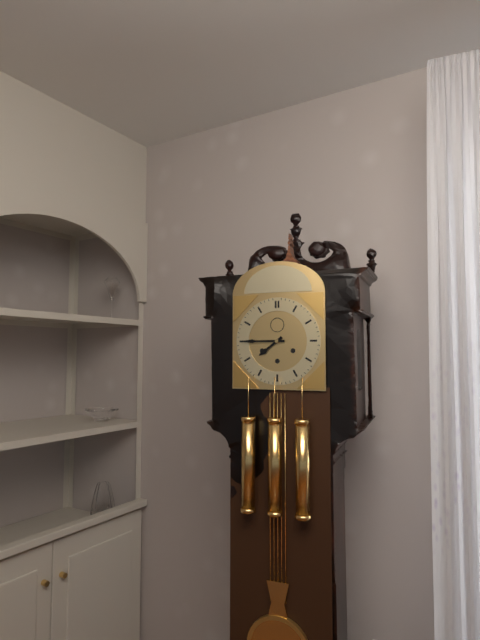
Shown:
7h45
